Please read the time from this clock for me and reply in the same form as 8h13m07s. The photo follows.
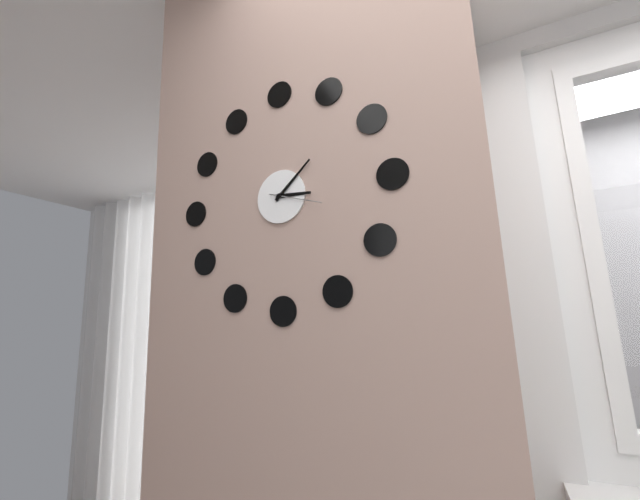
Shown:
3h08m18s
